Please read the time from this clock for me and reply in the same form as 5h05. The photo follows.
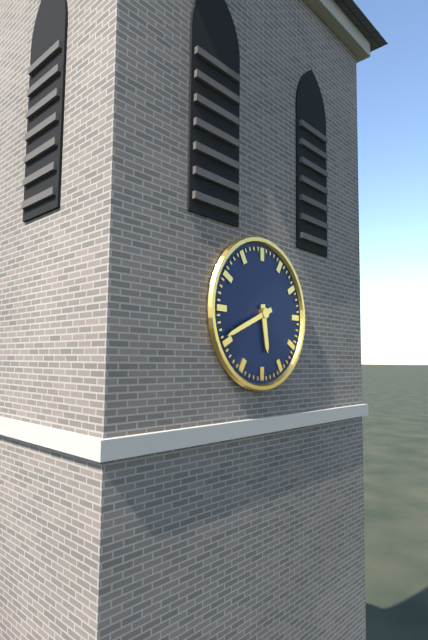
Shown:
5h41
